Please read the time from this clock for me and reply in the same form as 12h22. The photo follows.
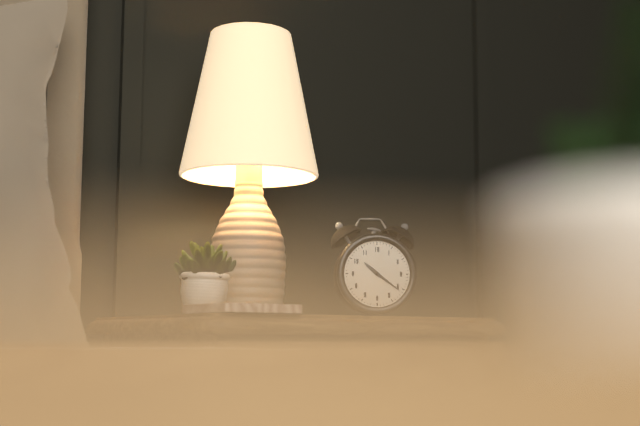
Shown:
10h21
